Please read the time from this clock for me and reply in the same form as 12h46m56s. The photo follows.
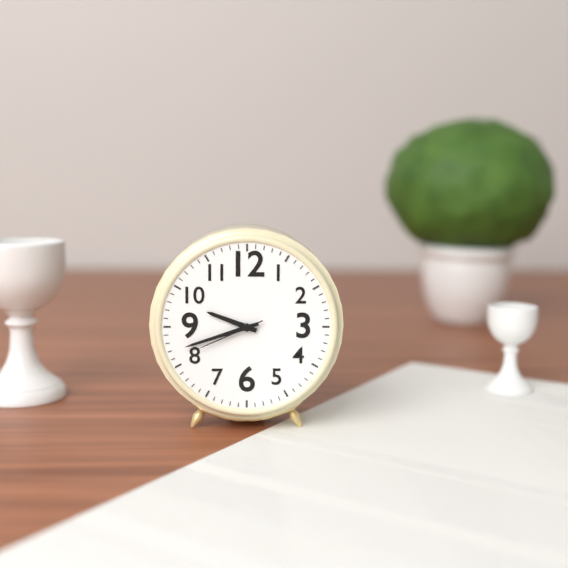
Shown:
9h42m41s
